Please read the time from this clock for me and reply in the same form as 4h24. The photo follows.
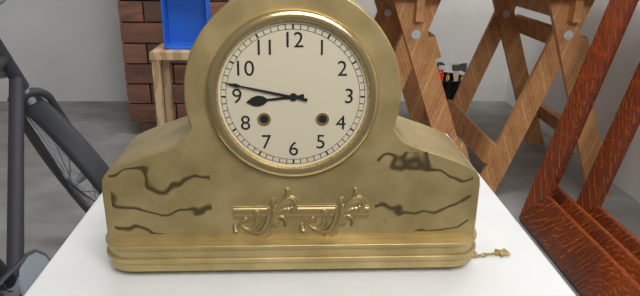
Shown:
8h47
